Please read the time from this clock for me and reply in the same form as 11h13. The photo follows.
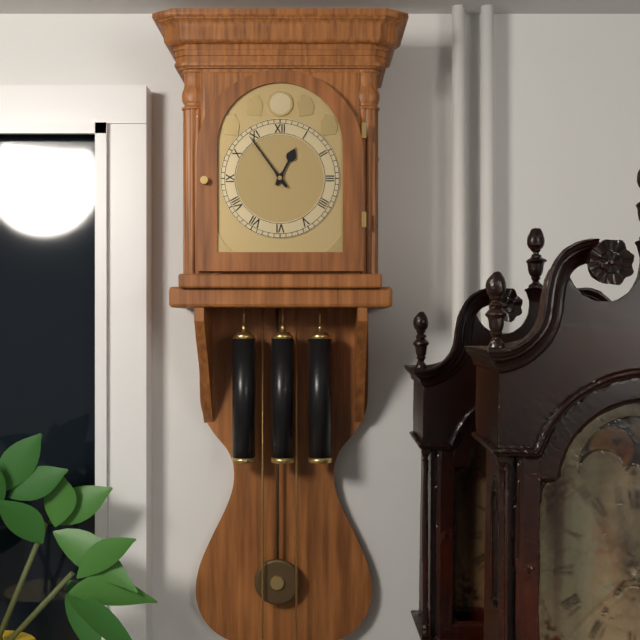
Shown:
12h54
